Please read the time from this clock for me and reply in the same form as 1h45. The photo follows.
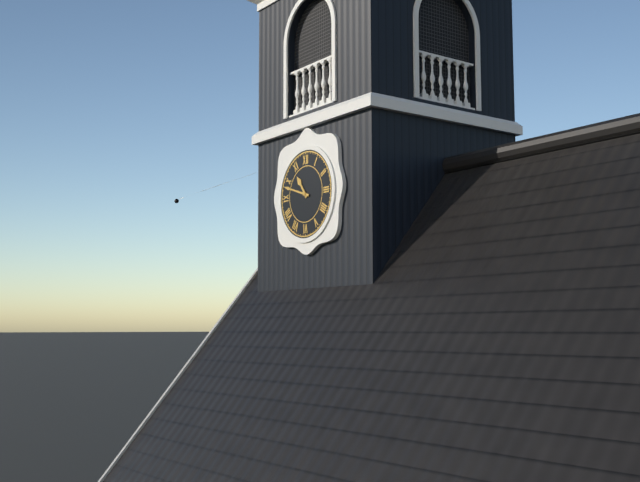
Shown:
10h48
